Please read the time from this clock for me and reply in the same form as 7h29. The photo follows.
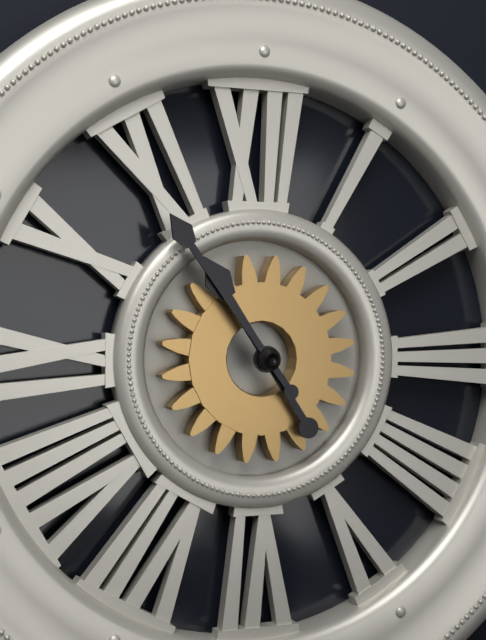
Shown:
10h54
